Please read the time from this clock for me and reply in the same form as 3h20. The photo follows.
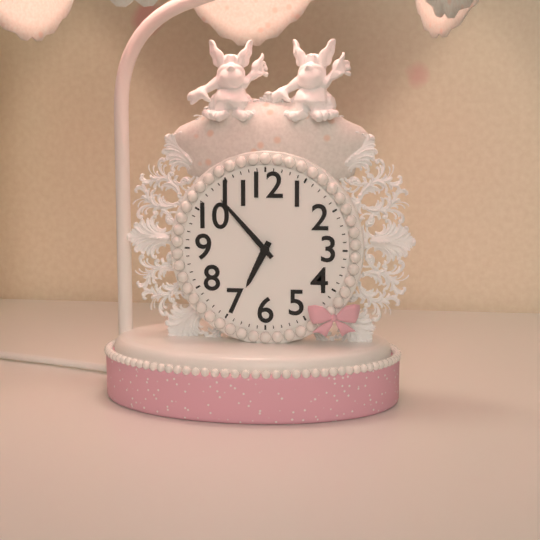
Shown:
6h53
